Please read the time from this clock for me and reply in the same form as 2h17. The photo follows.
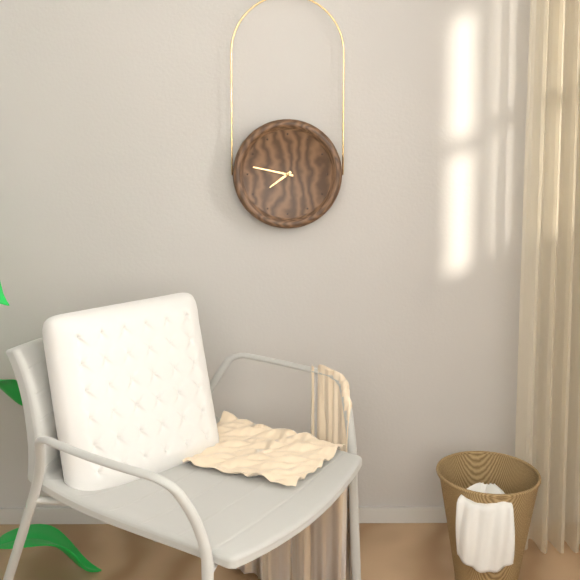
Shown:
7h47
